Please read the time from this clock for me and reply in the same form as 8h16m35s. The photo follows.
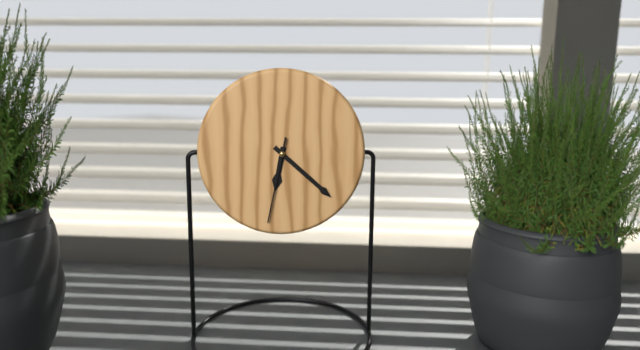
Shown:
6h22m32s
